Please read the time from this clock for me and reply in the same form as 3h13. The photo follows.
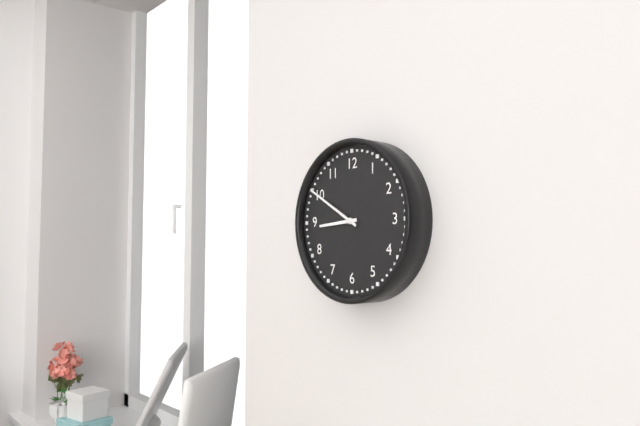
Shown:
8h50
